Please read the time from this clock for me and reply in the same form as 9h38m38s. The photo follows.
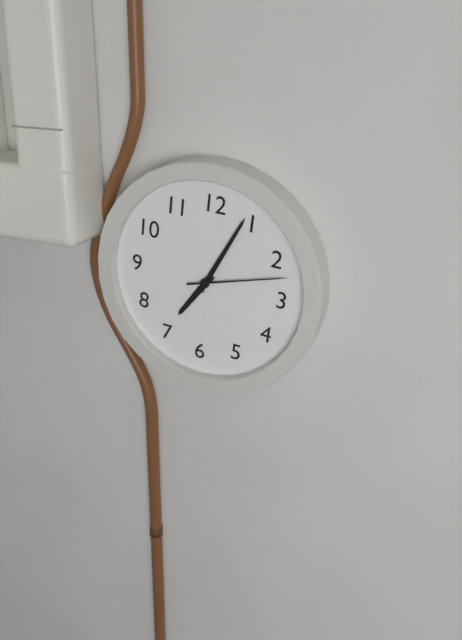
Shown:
7h04m12s
